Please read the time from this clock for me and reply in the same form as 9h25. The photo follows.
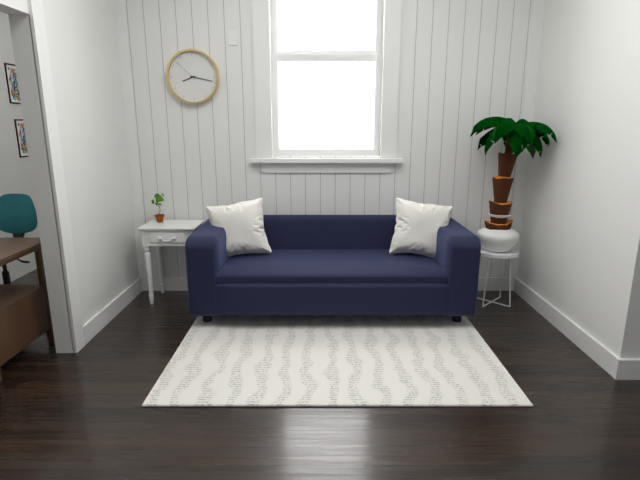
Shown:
8h17
